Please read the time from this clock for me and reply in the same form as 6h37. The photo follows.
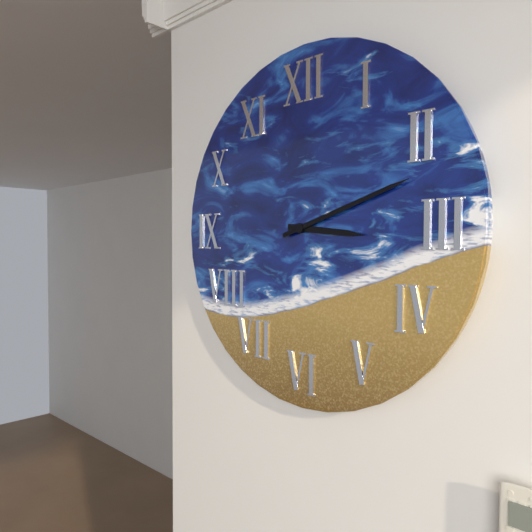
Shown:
3h12
